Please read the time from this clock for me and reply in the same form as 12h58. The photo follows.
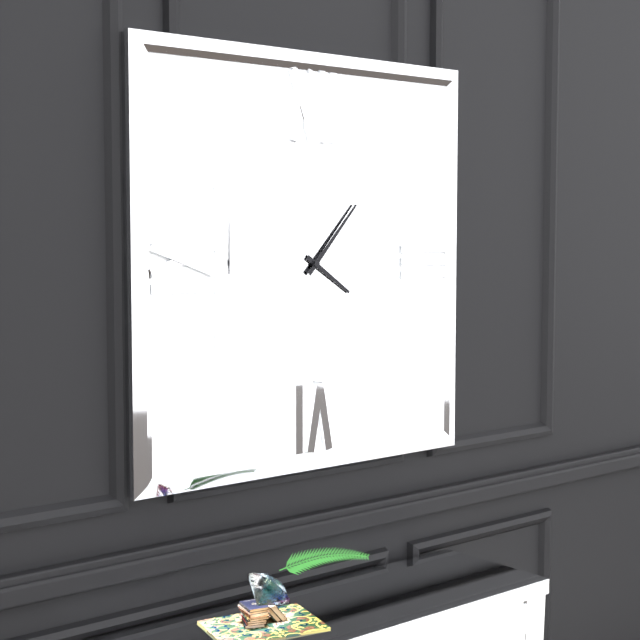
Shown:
4h07
